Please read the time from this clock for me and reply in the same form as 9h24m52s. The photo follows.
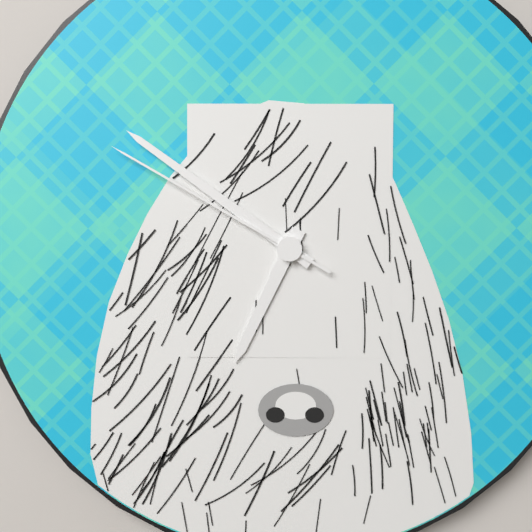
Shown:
6h51m50s
